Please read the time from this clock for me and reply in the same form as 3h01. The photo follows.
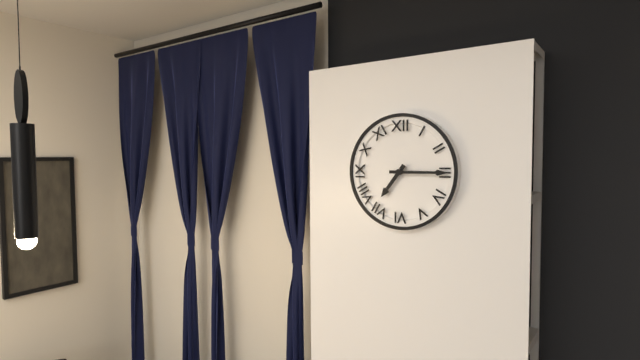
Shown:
7h15
